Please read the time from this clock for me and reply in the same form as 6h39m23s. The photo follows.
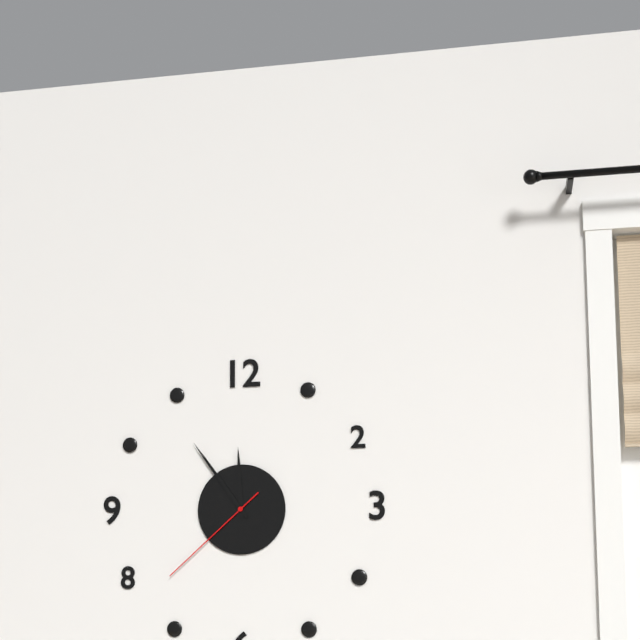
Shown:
11h54m38s
